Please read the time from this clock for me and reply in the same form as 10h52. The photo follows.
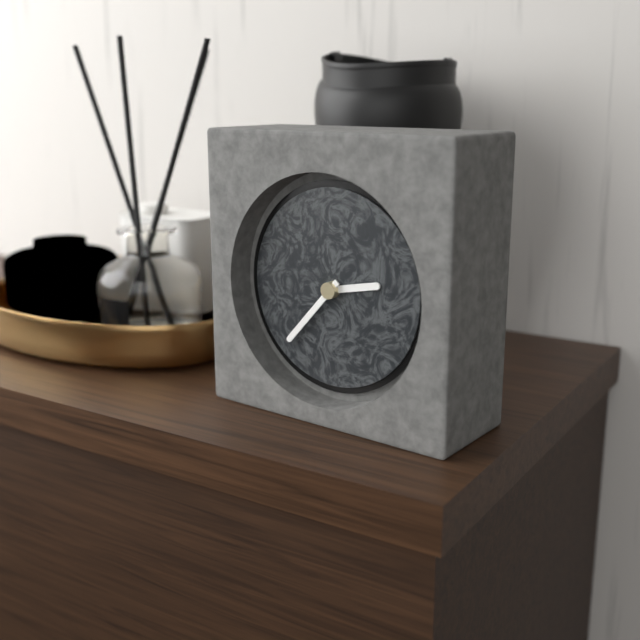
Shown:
2h37
